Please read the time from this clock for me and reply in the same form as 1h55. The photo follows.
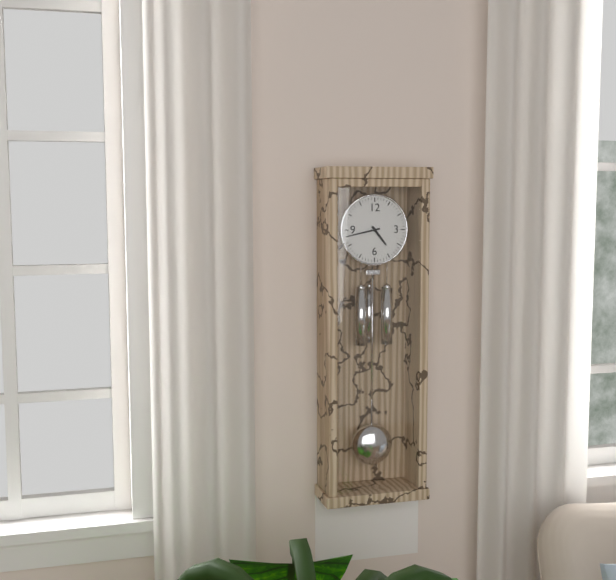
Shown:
4h43
